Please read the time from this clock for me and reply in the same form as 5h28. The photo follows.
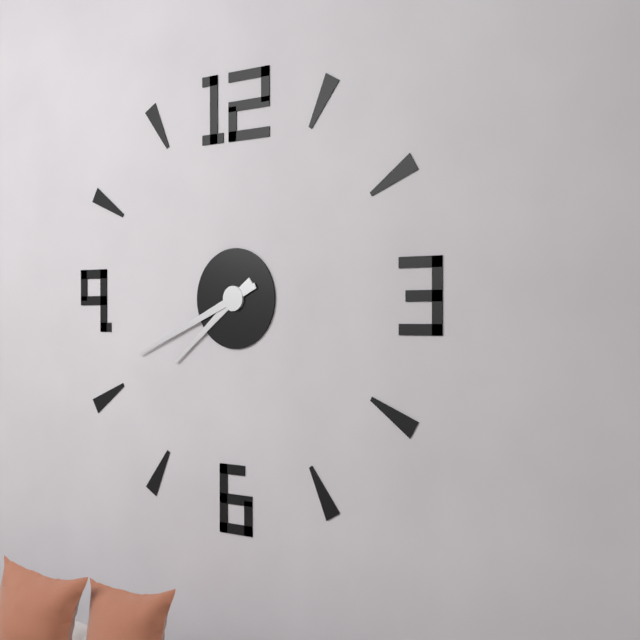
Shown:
7h41
